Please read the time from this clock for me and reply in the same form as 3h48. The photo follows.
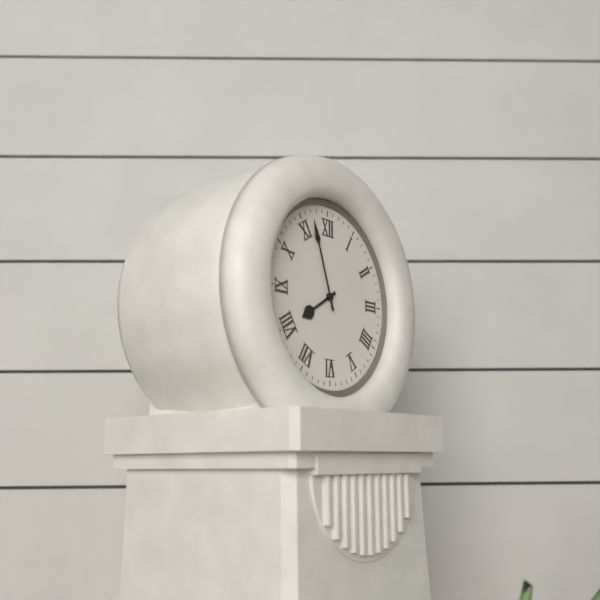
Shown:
7h57
